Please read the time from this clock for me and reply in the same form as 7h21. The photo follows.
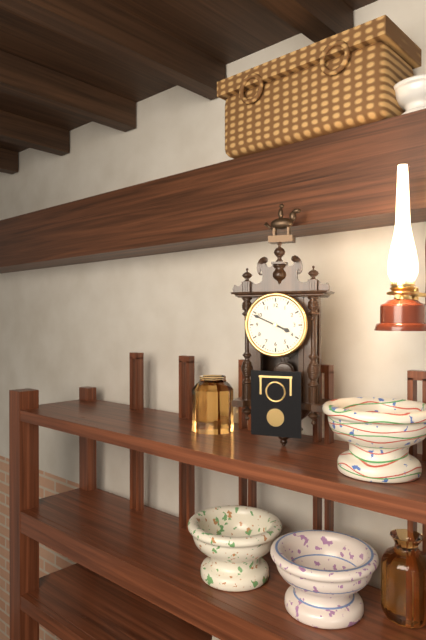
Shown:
3h49
